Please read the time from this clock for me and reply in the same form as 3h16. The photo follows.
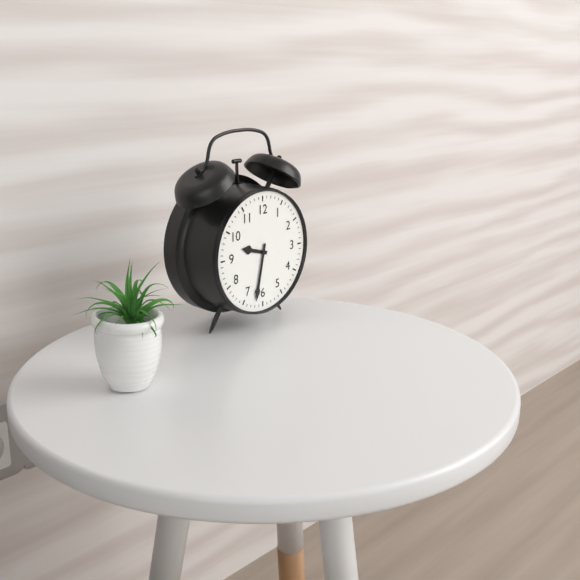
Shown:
9h32
